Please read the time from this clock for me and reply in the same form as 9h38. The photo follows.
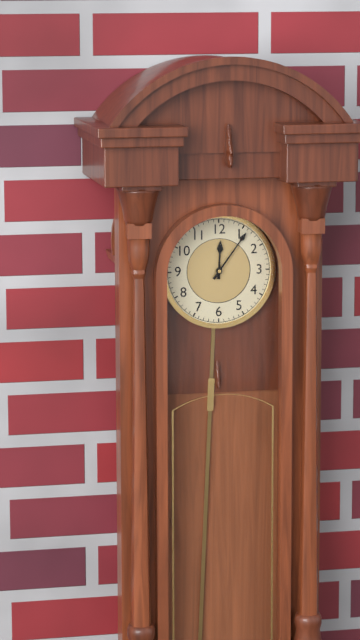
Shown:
12h06
